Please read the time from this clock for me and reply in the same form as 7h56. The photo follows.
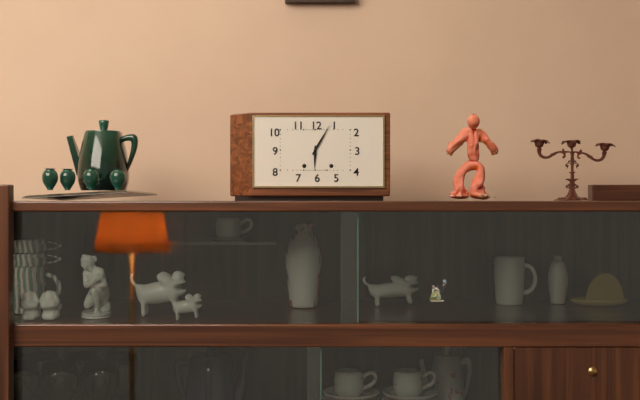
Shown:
6h05
